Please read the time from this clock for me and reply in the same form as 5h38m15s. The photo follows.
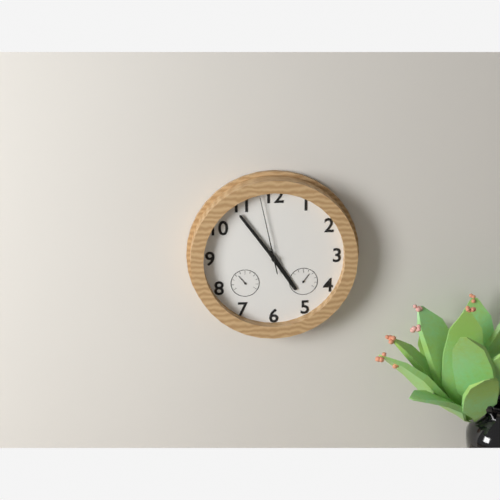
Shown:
4h54m58s
